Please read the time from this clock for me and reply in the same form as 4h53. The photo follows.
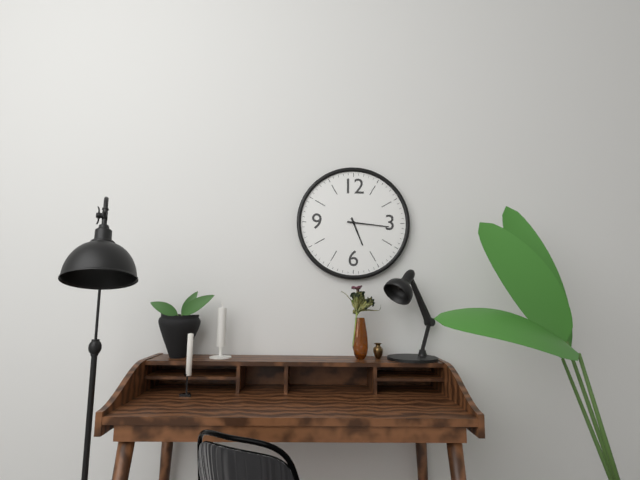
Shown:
5h16
